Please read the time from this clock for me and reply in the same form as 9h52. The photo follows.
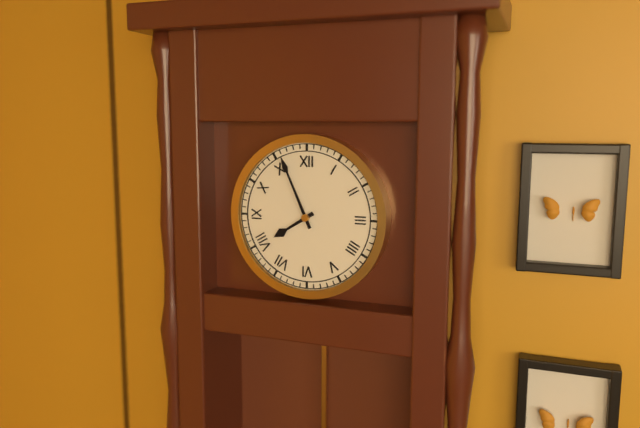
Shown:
7h56
